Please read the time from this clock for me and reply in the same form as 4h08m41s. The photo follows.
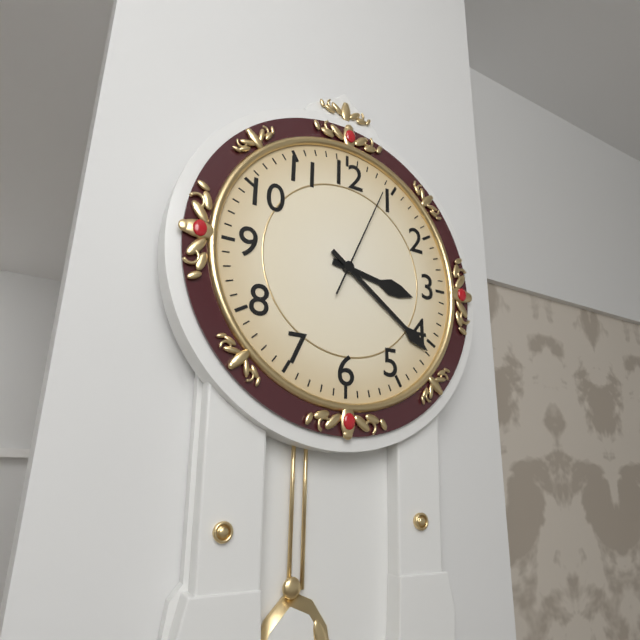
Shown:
3h21m04s
